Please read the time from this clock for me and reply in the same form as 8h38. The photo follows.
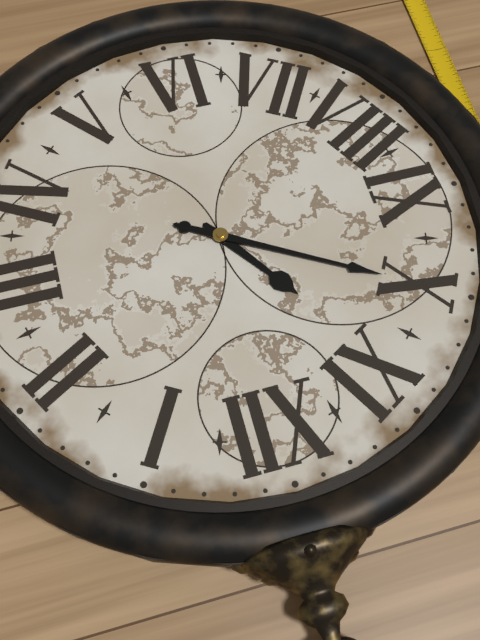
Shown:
10h50
